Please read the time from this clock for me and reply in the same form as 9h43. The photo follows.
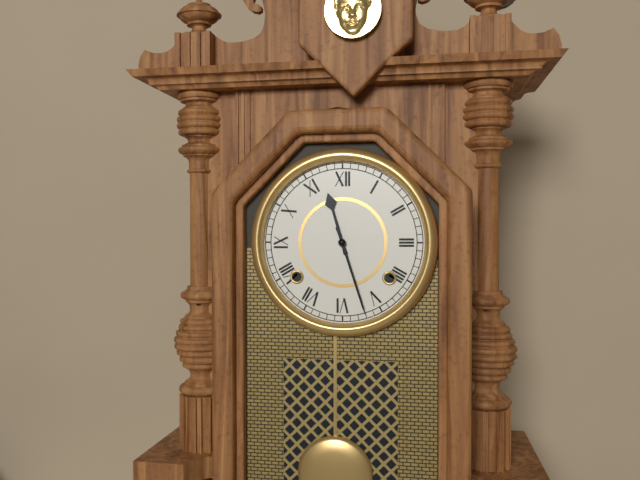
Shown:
11h27
